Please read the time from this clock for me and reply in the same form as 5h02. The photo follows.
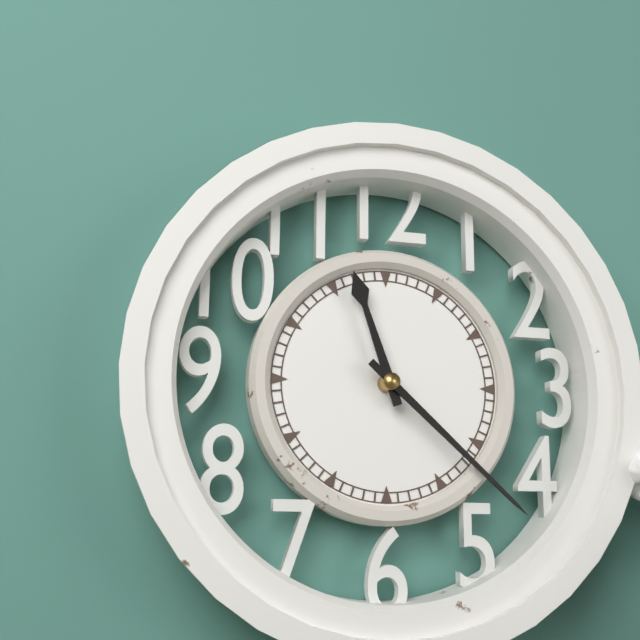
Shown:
11h22
